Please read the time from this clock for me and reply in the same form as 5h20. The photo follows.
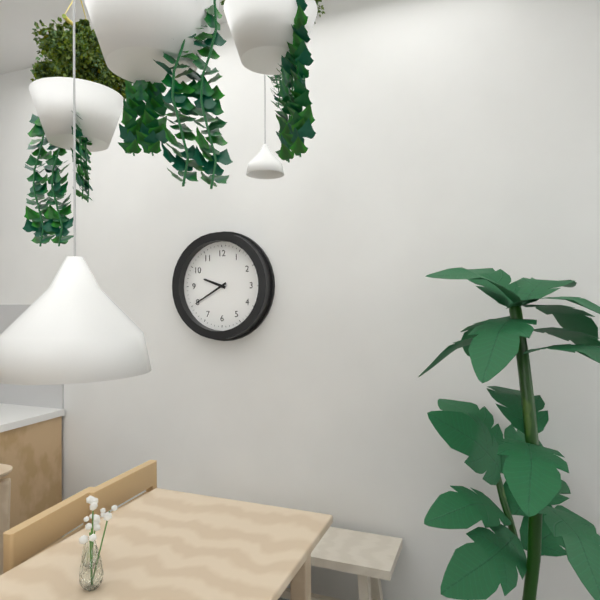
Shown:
9h40
